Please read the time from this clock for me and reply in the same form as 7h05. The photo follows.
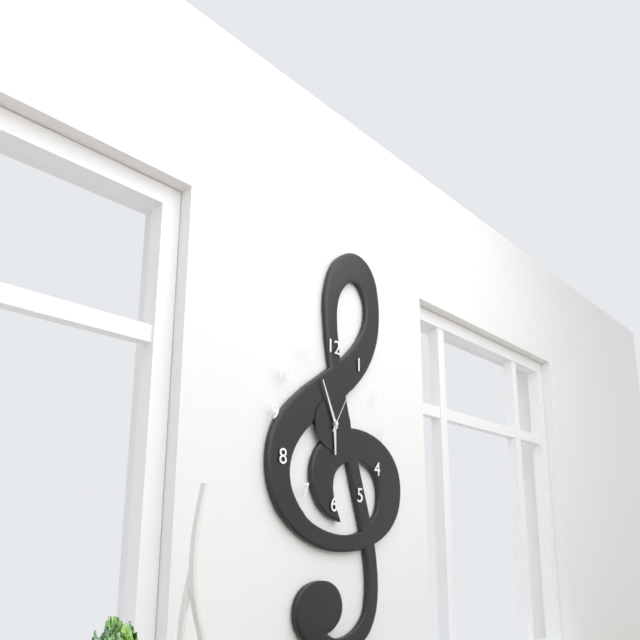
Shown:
5h56
